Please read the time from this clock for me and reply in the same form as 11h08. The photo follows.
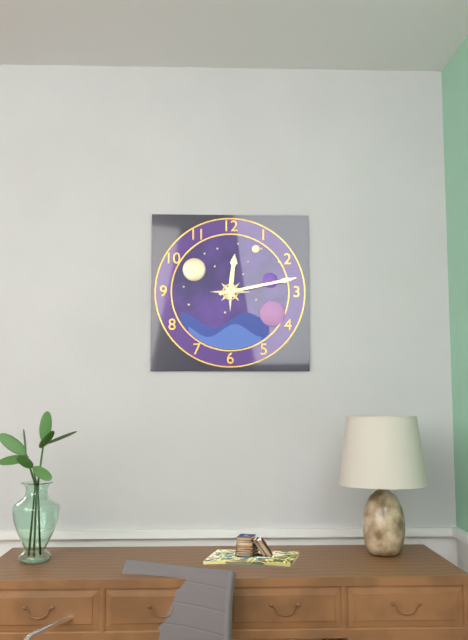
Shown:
12h13
